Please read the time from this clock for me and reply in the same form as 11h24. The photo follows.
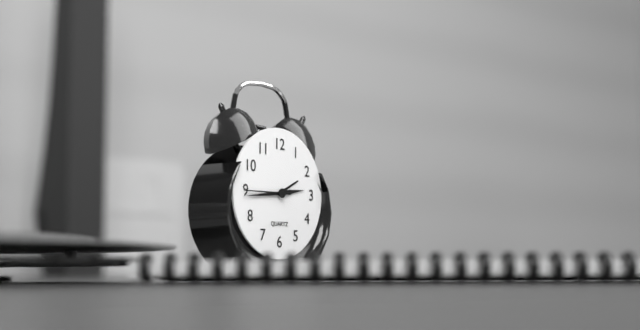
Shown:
2h44
